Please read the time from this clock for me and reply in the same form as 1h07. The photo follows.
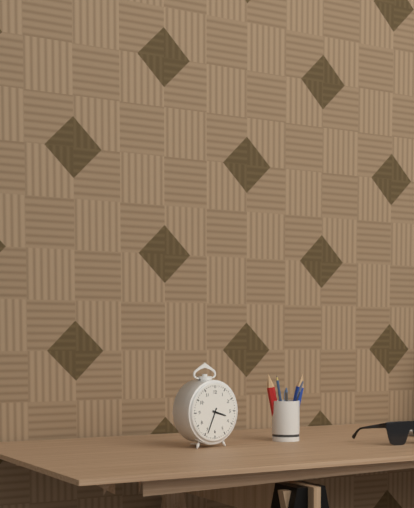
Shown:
3h34
